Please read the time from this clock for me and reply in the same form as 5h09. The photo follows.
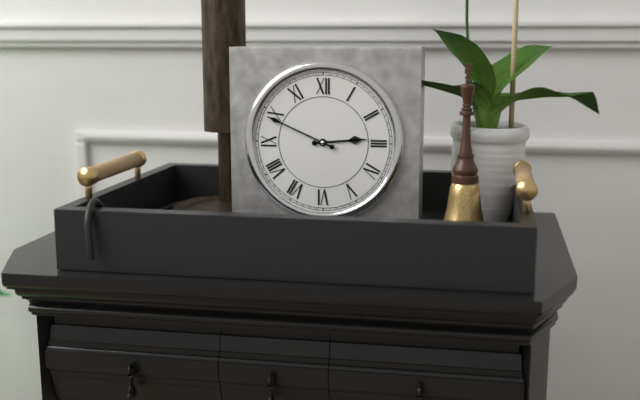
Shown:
2h49
